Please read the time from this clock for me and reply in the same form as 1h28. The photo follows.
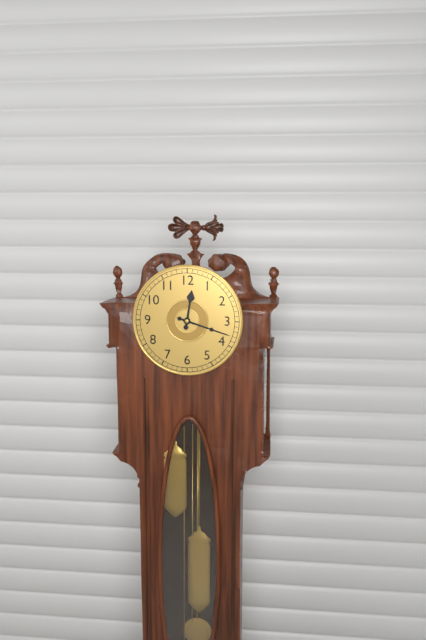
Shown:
12h18
